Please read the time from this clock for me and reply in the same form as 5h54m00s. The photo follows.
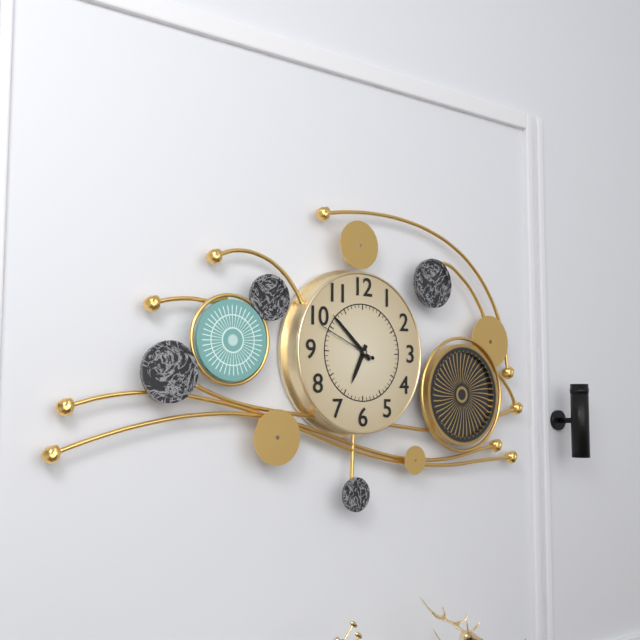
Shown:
6h52m49s
